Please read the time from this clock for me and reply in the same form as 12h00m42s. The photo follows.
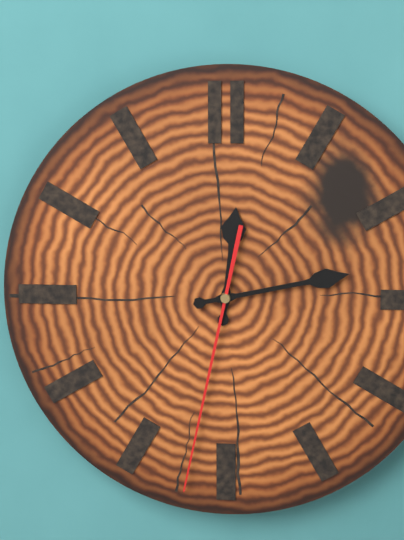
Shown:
12h13m32s
